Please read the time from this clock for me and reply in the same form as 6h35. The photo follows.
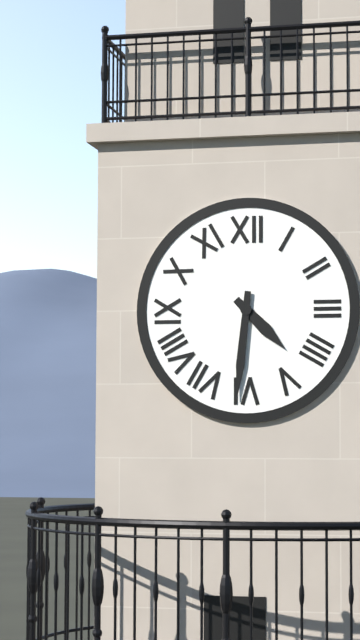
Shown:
4h31
